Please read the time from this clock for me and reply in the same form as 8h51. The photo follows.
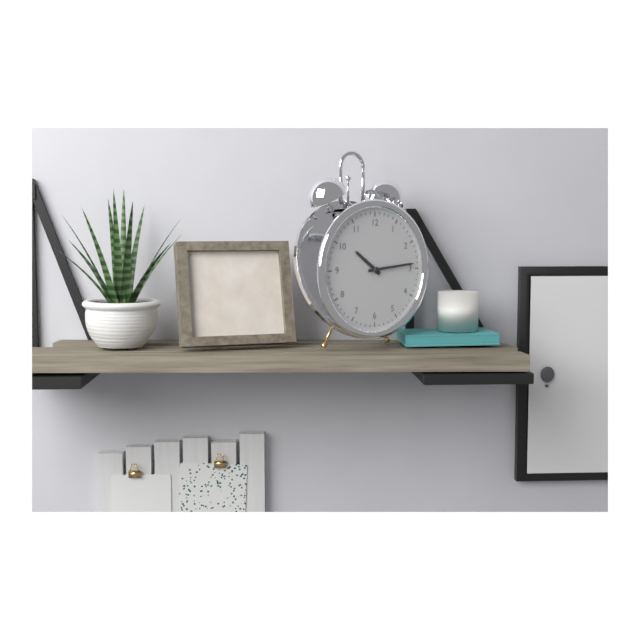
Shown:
10h14
